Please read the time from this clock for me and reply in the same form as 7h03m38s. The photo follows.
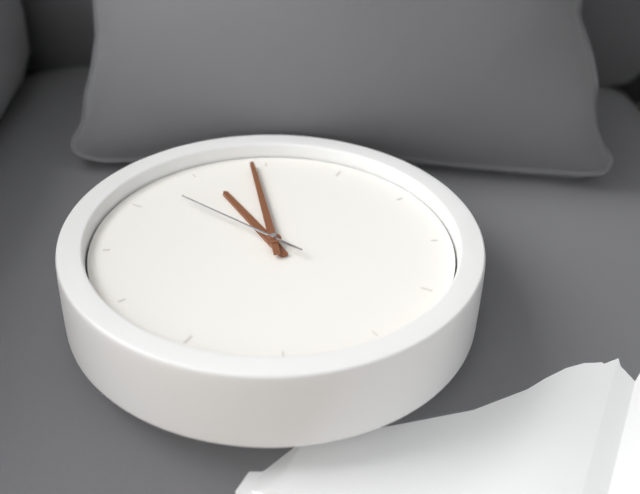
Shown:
1h09m02s
